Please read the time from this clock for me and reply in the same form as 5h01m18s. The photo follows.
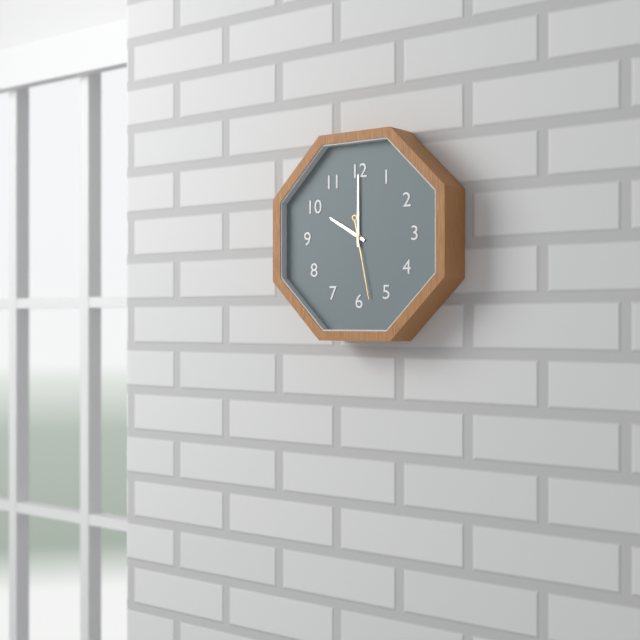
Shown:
10h00m28s
